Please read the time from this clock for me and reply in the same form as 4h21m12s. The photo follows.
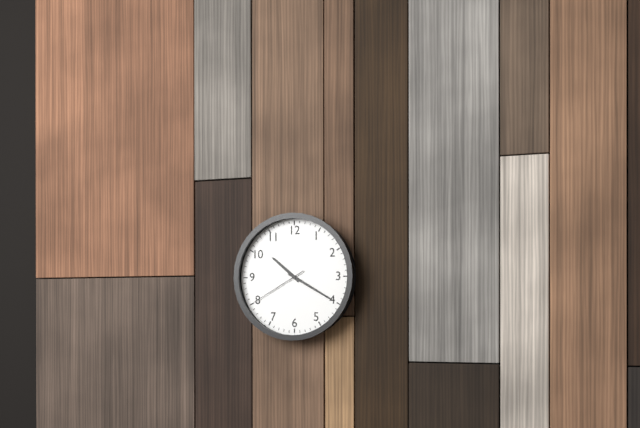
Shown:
10h20m40s
